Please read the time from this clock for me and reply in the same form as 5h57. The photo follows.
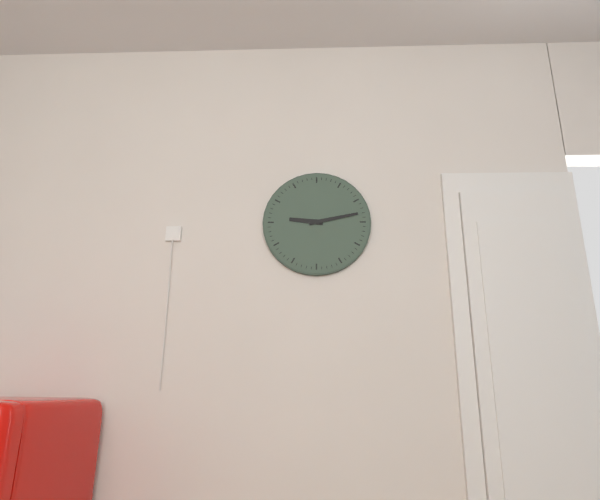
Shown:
9h13
